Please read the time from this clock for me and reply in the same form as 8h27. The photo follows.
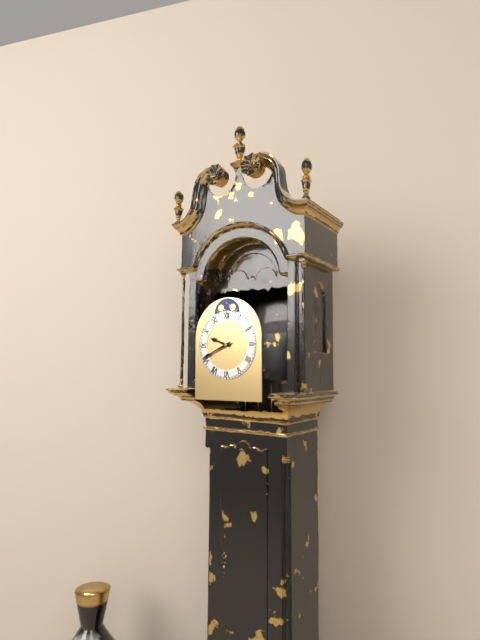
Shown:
9h41
